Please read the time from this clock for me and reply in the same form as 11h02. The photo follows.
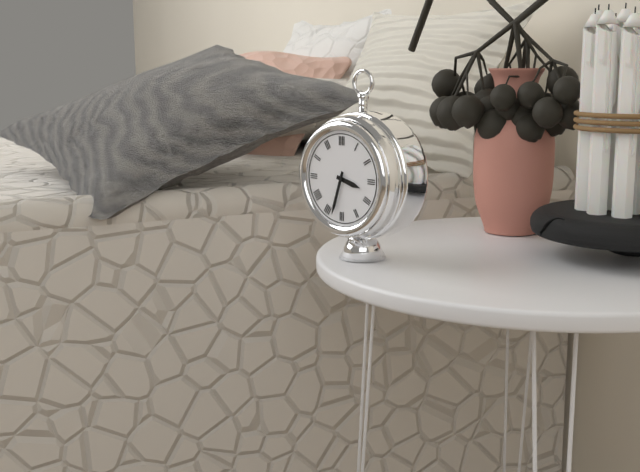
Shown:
3h33
